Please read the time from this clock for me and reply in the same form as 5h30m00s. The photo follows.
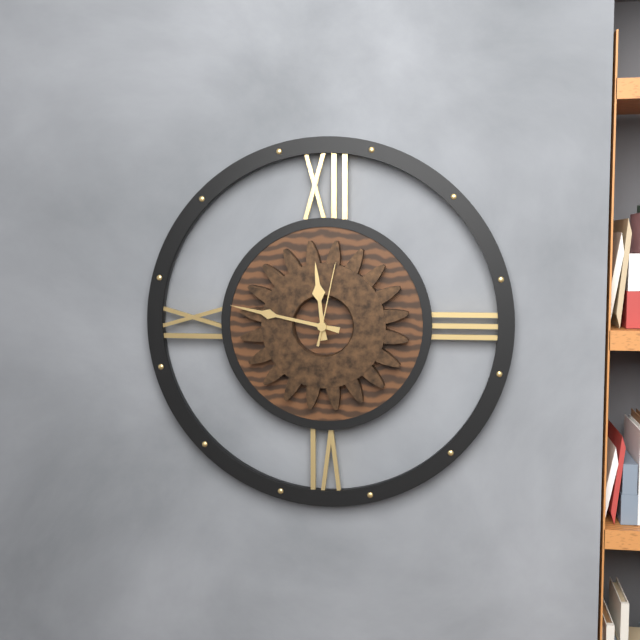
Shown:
11h47m02s
